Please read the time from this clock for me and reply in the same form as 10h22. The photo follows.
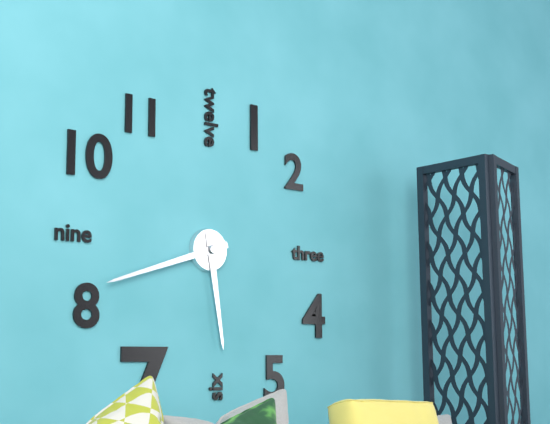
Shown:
5h42
